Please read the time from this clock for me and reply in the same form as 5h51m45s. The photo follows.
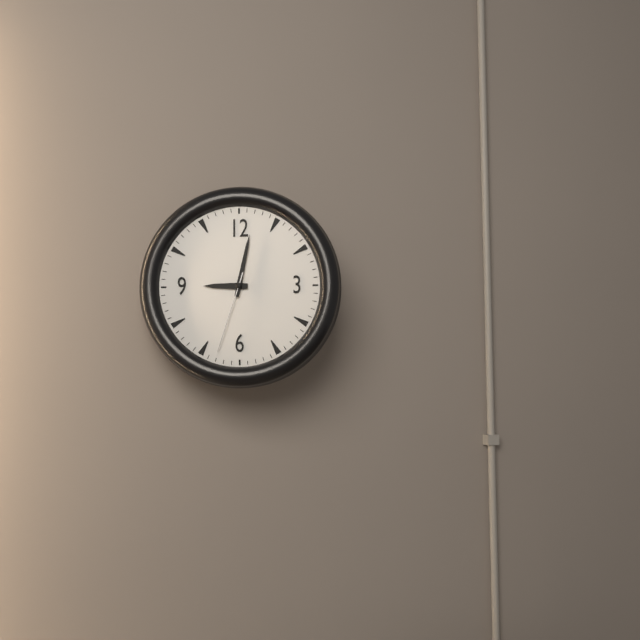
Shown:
9h02m33s
